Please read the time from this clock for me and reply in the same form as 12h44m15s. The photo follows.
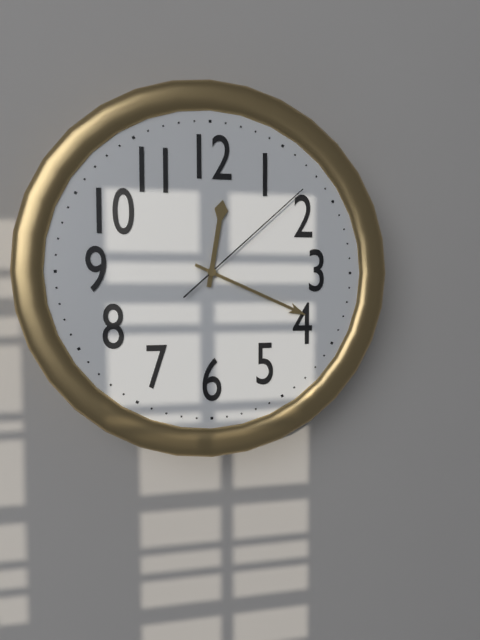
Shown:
12h19m08s
